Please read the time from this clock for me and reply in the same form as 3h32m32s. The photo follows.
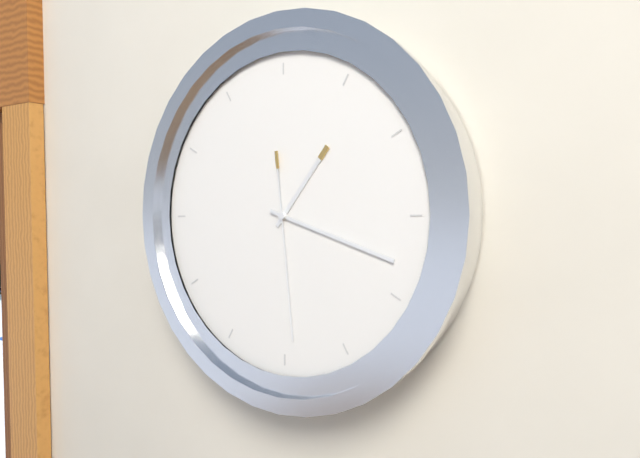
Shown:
1h18m29s
